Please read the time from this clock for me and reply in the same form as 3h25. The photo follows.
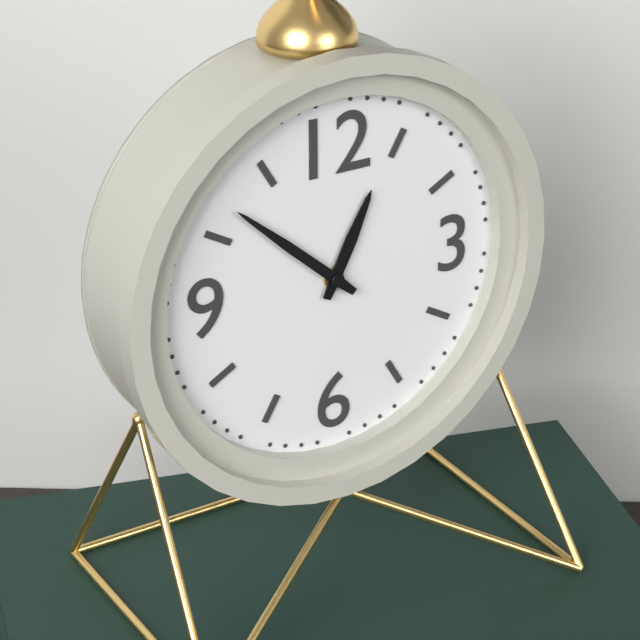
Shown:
12h52
